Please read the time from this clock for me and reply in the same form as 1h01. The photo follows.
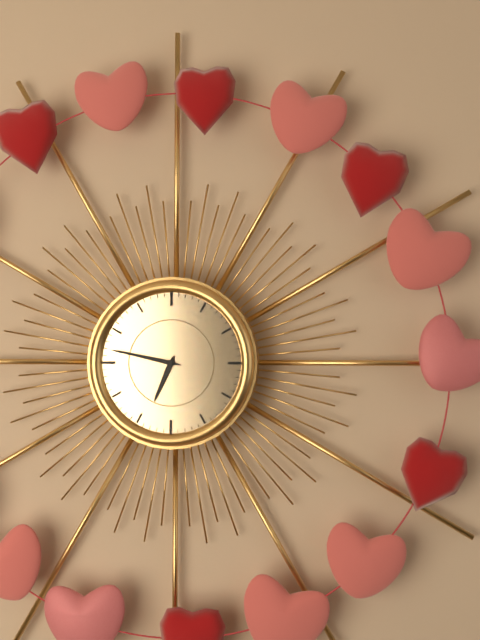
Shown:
6h47
